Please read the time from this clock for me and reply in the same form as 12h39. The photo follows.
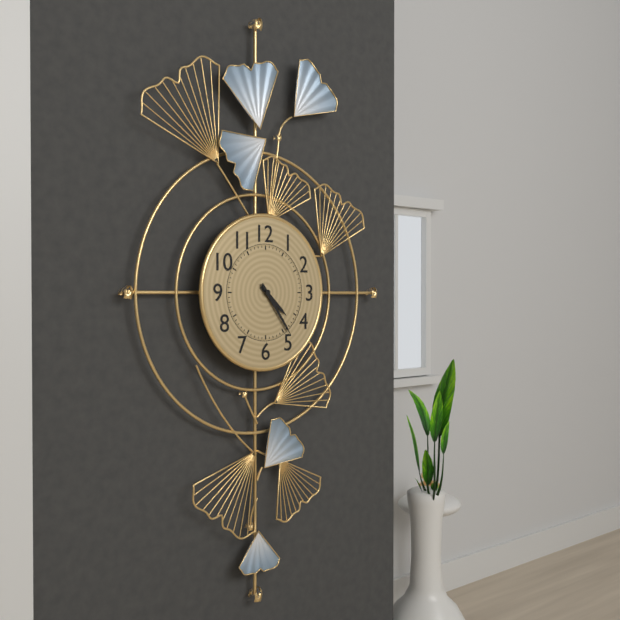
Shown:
4h24
